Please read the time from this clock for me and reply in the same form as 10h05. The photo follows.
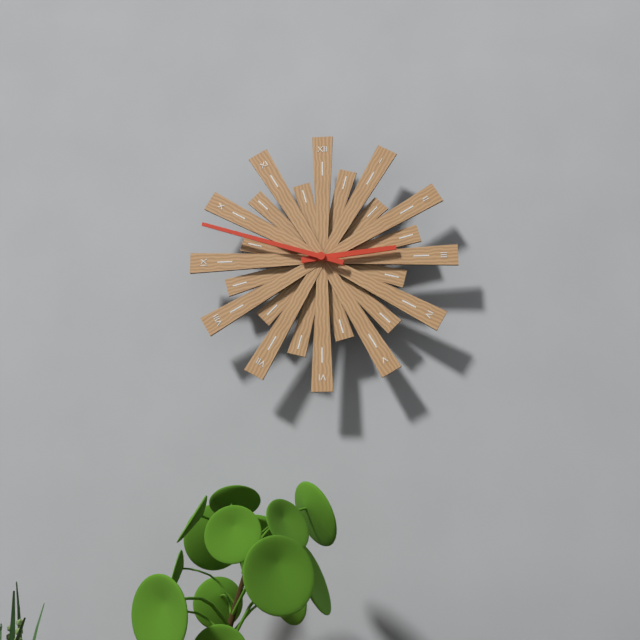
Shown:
2h48
